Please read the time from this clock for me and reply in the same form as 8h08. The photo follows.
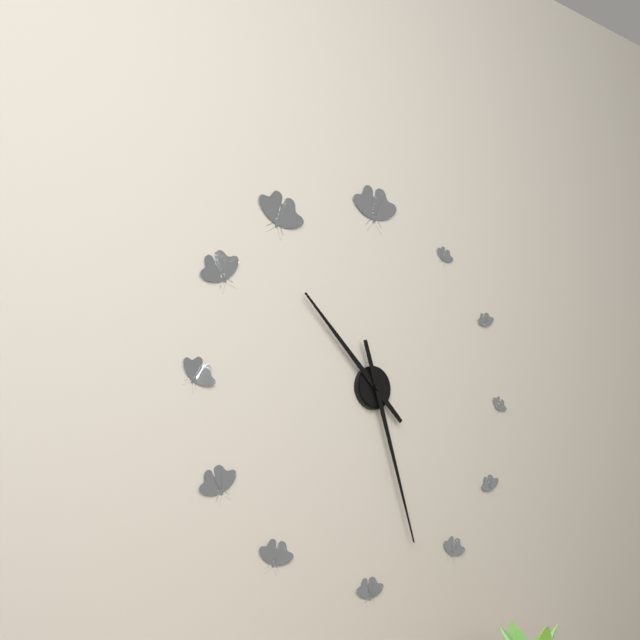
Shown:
10h27
